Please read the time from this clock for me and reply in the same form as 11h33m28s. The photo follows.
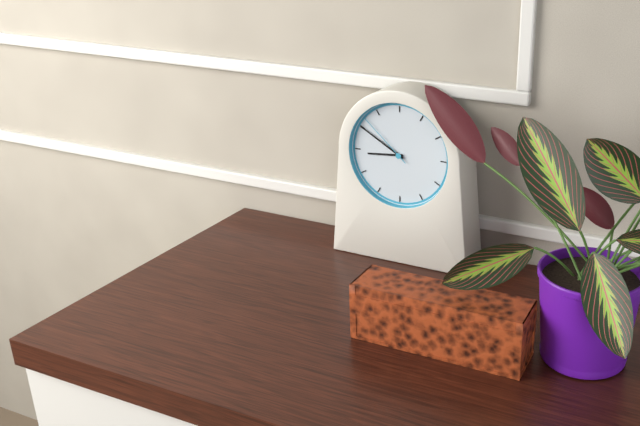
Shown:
8h50m52s
